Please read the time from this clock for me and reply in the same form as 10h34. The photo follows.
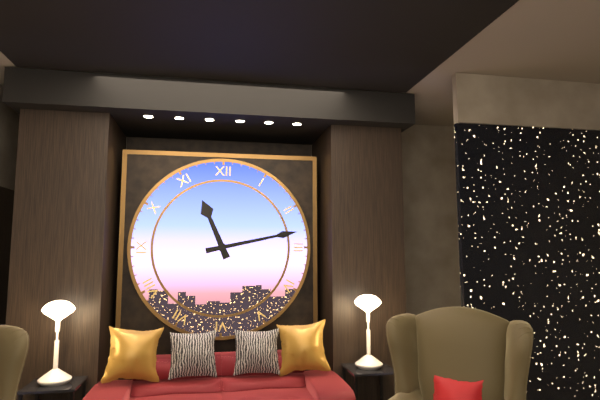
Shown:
11h13
